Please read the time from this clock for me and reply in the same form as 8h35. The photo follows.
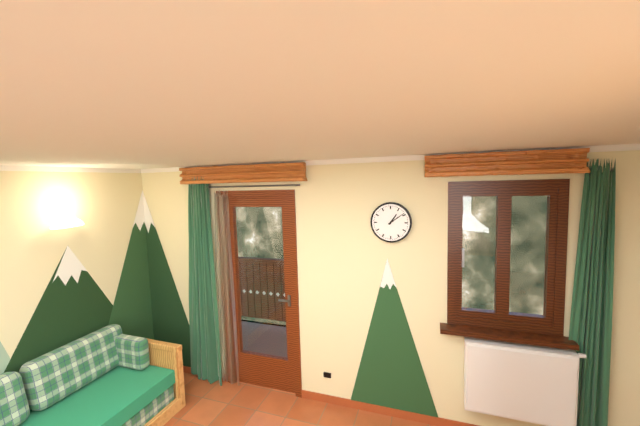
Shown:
1h09
